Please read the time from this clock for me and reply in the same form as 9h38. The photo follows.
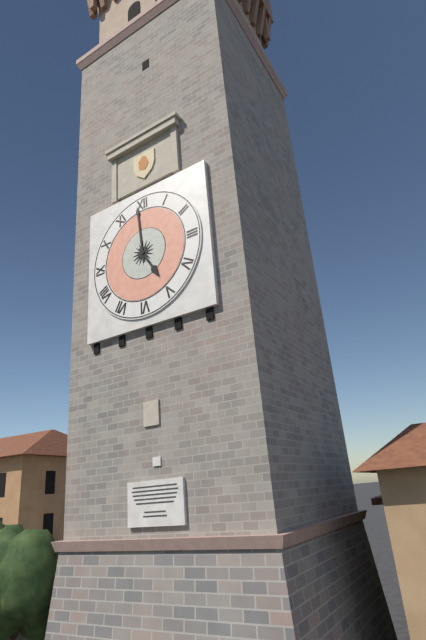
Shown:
4h59
